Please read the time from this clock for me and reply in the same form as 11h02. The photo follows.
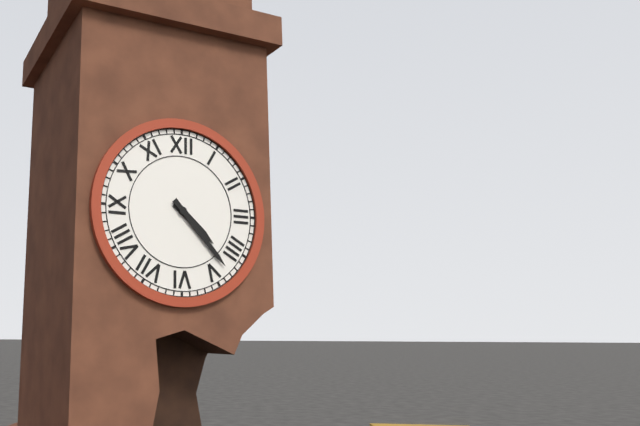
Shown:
4h23
